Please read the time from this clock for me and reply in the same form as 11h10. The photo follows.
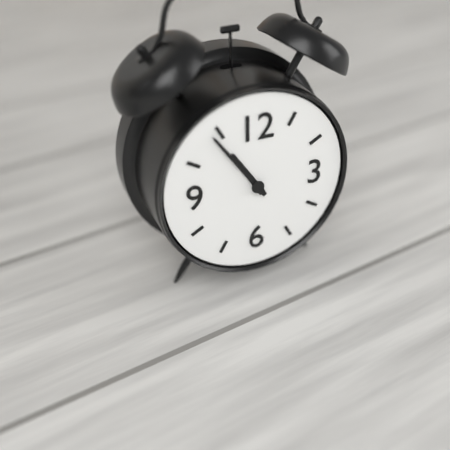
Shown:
10h54
